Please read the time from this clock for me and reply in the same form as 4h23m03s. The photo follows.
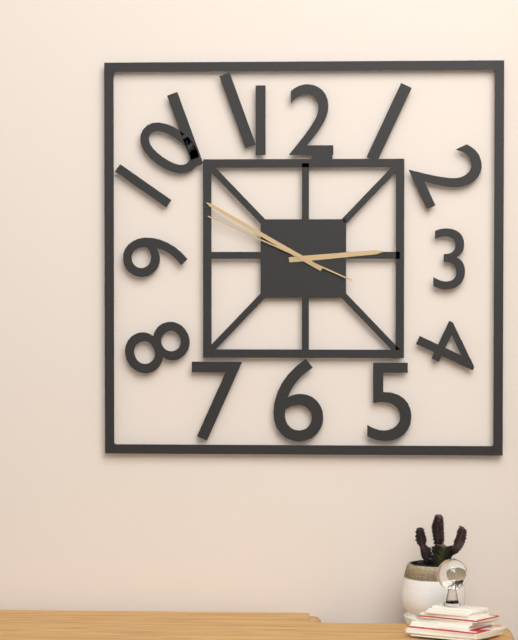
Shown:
2h50m49s
